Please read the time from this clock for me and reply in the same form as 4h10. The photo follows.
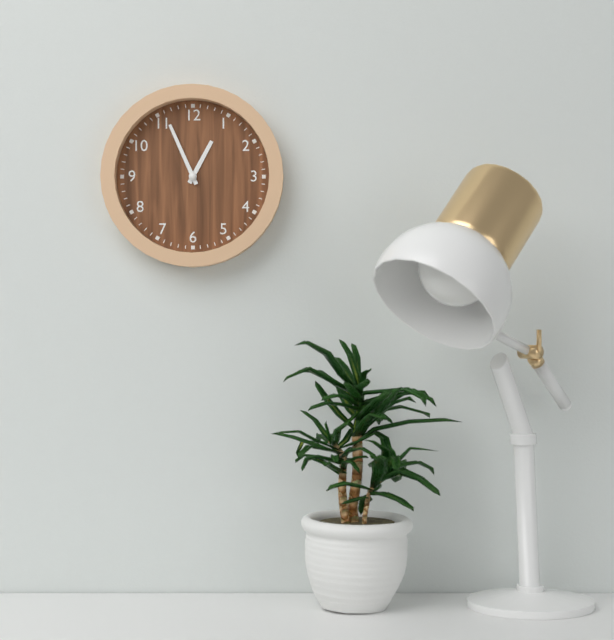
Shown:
12h56
